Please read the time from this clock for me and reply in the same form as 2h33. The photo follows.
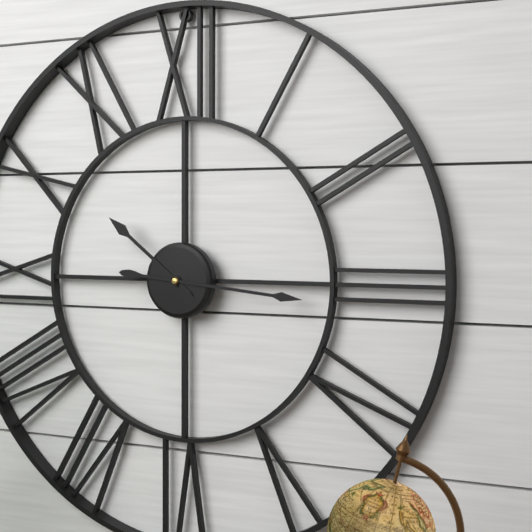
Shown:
10h16
